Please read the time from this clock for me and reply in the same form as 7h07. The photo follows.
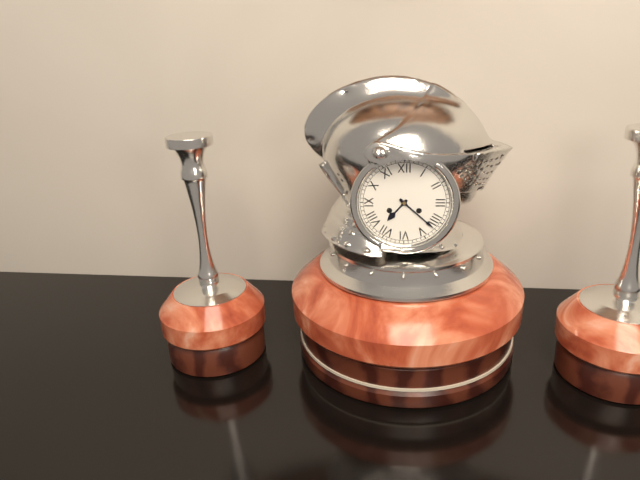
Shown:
7h22
